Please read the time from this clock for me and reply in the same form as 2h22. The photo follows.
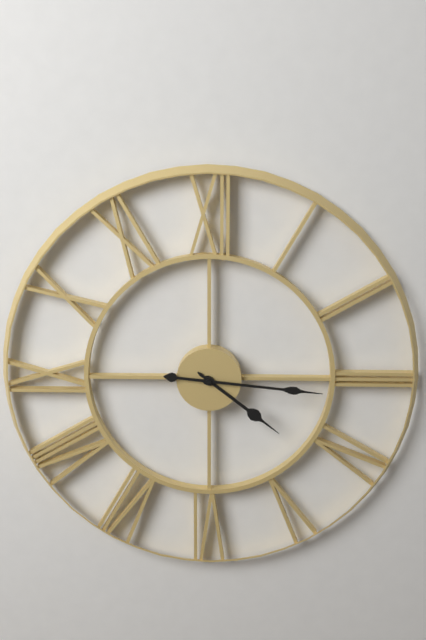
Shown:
4h16
